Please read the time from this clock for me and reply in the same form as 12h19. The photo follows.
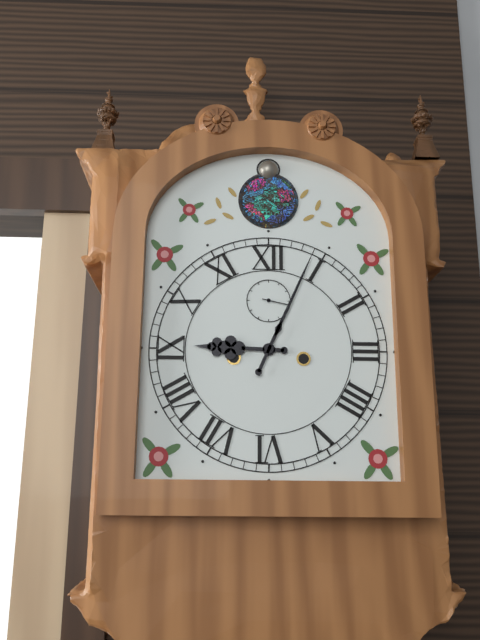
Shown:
9h04
